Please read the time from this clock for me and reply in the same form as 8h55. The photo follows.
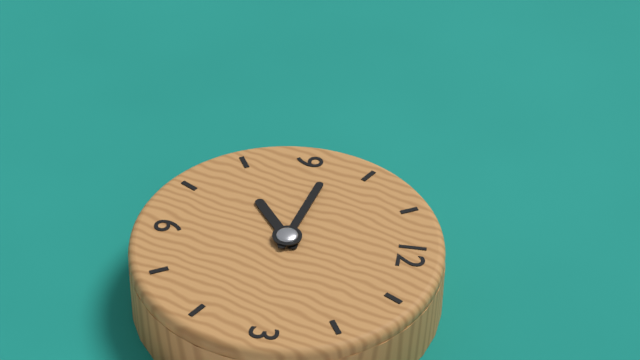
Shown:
7h47
